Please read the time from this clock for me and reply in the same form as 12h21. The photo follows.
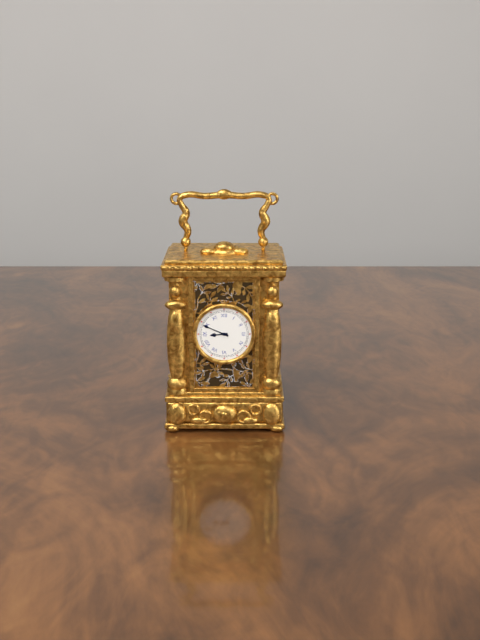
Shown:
8h49
